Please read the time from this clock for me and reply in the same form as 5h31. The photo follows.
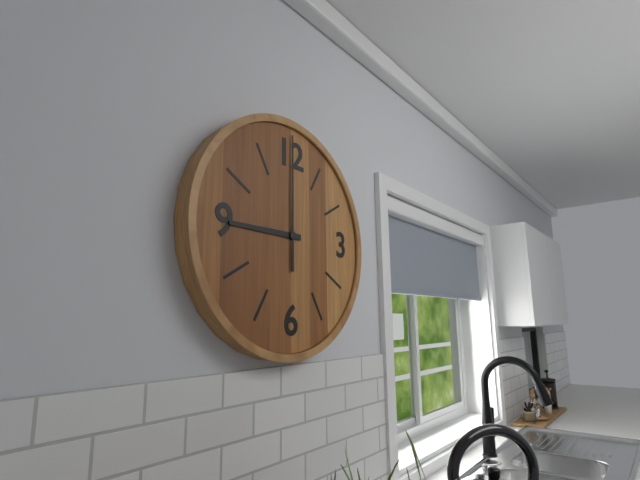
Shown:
9h00
